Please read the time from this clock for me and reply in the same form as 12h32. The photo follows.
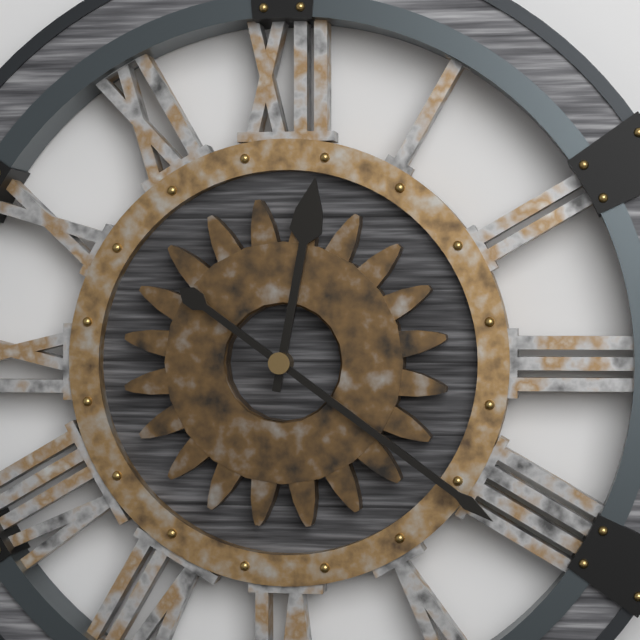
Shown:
12h21
